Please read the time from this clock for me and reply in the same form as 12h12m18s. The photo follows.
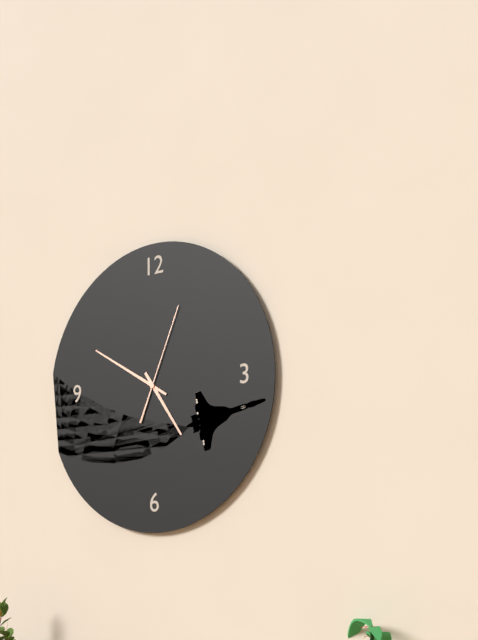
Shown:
4h50m04s
